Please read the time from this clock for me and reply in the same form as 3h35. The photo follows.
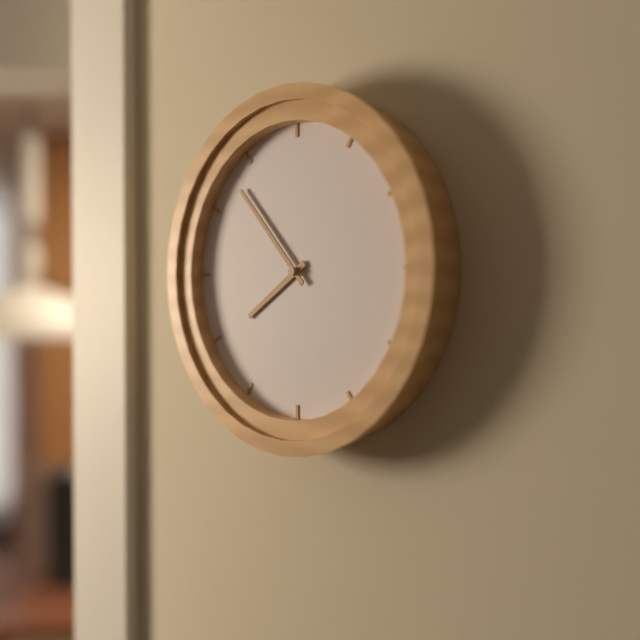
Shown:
7h53
